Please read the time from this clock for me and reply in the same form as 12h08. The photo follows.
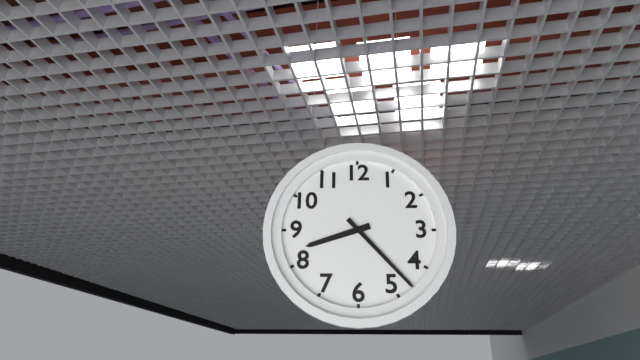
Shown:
8h23
